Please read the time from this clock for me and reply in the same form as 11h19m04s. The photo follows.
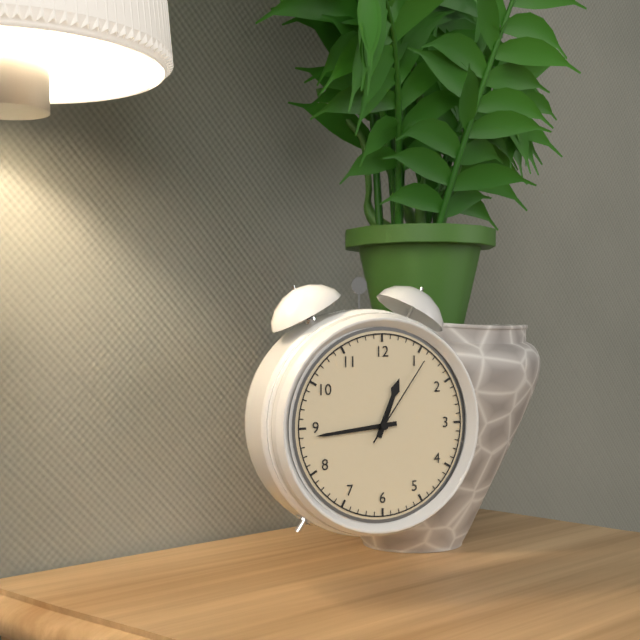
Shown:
12h44m06s
